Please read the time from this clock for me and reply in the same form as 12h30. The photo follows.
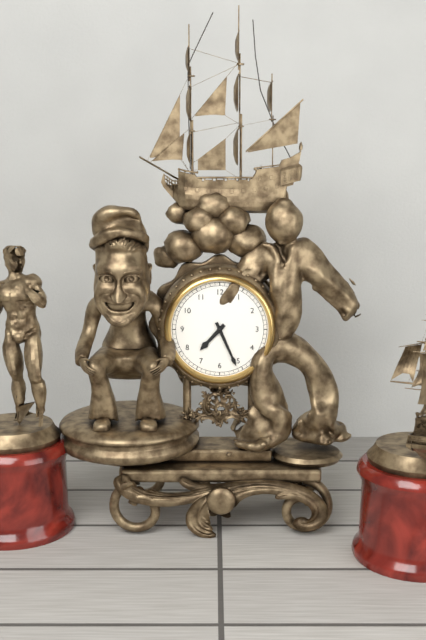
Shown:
7h26
